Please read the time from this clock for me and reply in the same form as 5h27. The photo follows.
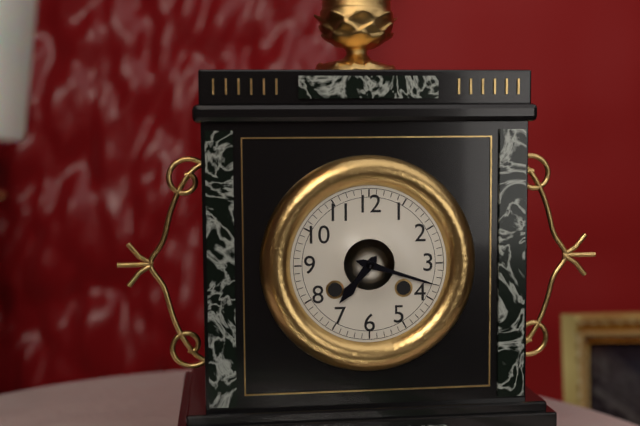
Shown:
7h18
